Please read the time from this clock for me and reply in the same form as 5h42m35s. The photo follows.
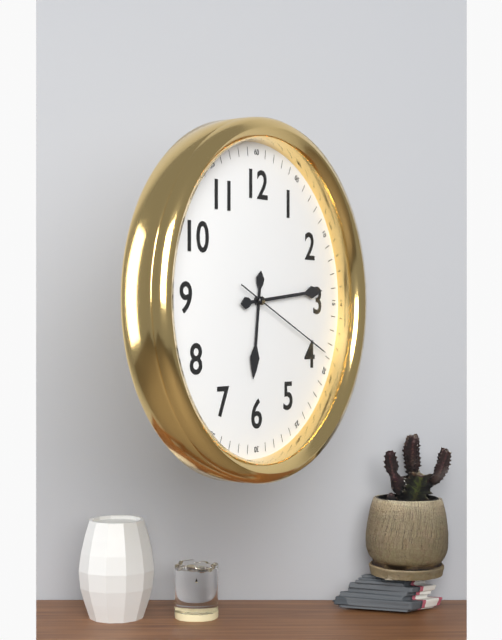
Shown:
6h14m19s
